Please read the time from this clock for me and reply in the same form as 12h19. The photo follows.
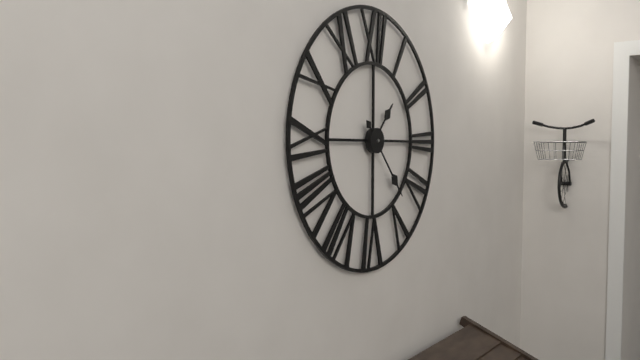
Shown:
1h23
